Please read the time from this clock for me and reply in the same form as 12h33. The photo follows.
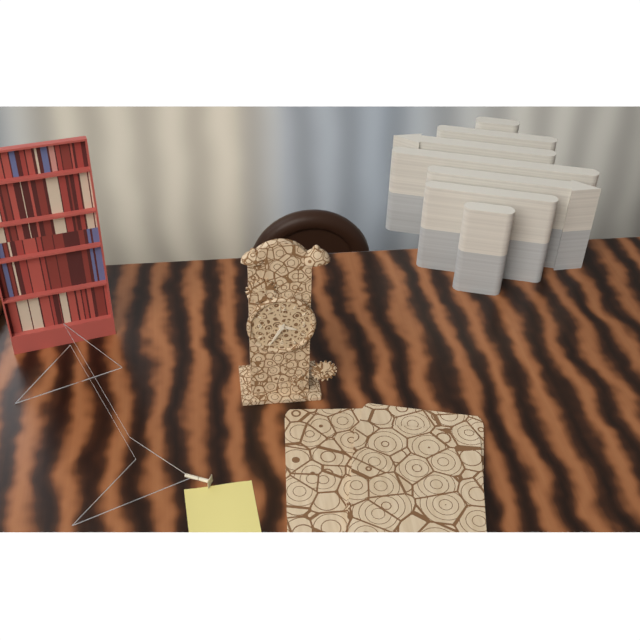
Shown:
3h35
